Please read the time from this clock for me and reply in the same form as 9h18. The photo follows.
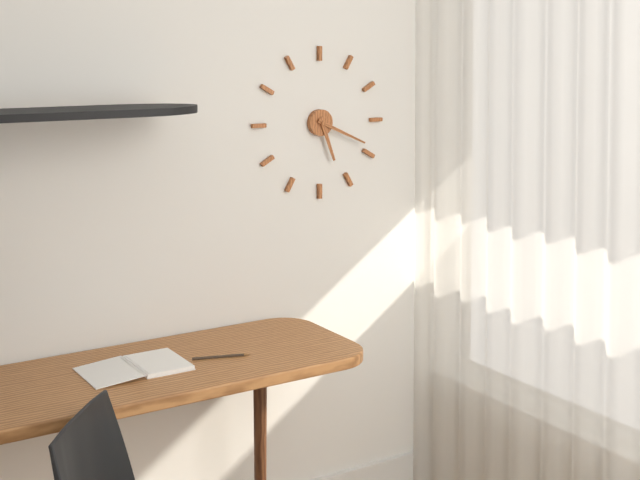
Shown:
5h19
